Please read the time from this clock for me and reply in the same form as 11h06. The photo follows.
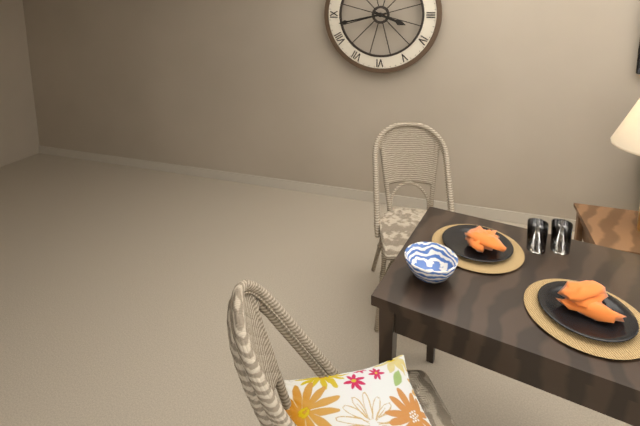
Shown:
3h43
